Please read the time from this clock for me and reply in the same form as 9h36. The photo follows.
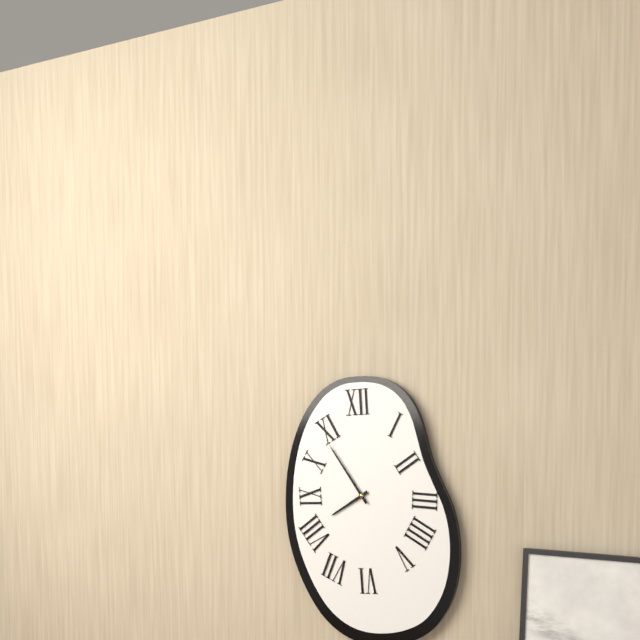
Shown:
7h54
